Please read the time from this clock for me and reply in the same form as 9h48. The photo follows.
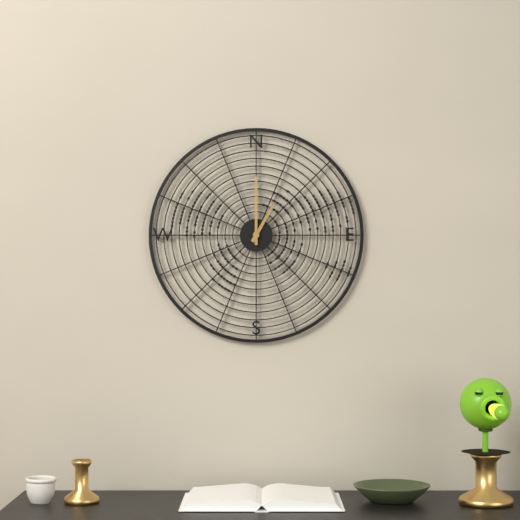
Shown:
1h00
